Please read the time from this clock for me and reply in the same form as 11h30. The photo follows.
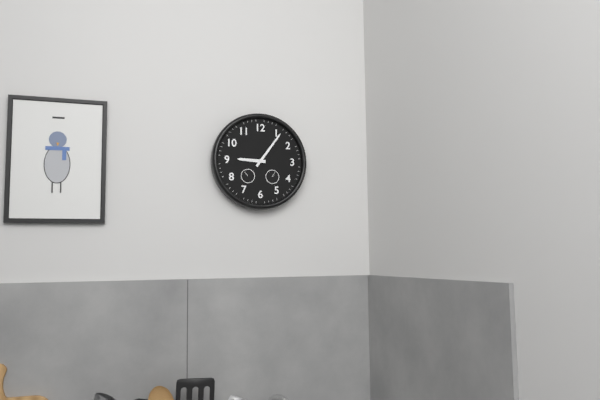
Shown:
9h06
